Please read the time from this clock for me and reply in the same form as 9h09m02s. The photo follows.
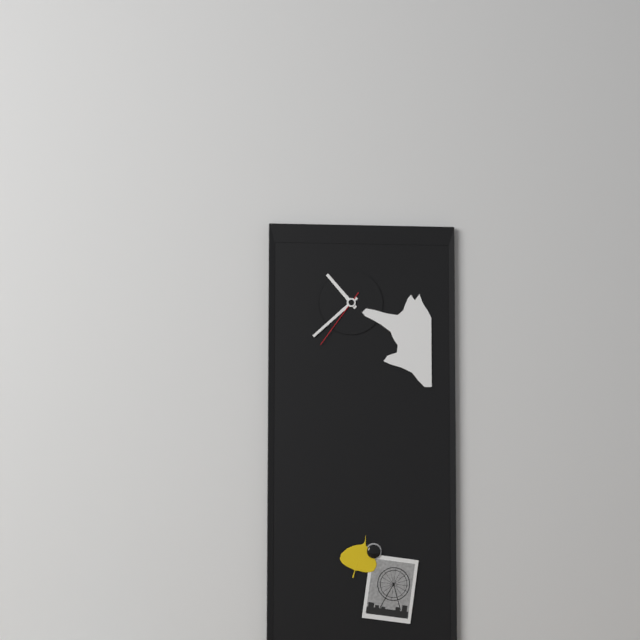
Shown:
10h38m36s
